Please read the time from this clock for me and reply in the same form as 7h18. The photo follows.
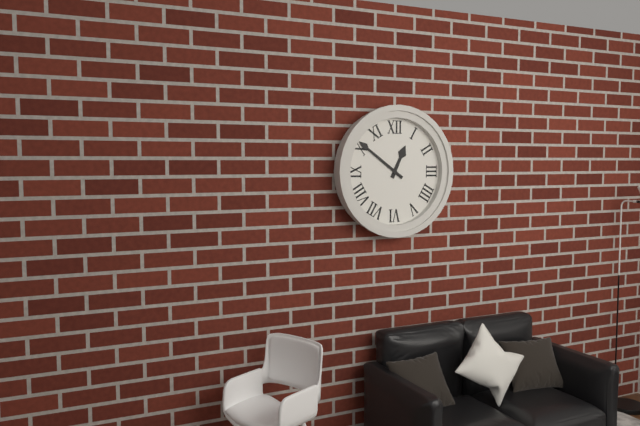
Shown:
12h51
